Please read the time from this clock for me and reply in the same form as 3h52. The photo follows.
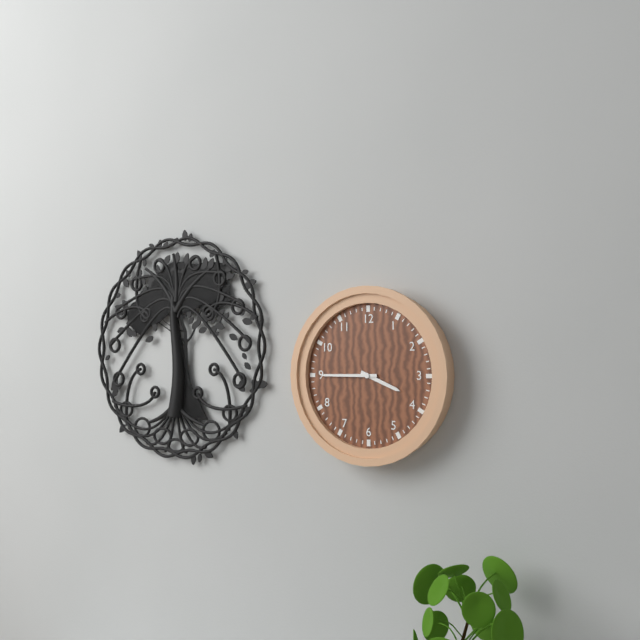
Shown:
3h45
